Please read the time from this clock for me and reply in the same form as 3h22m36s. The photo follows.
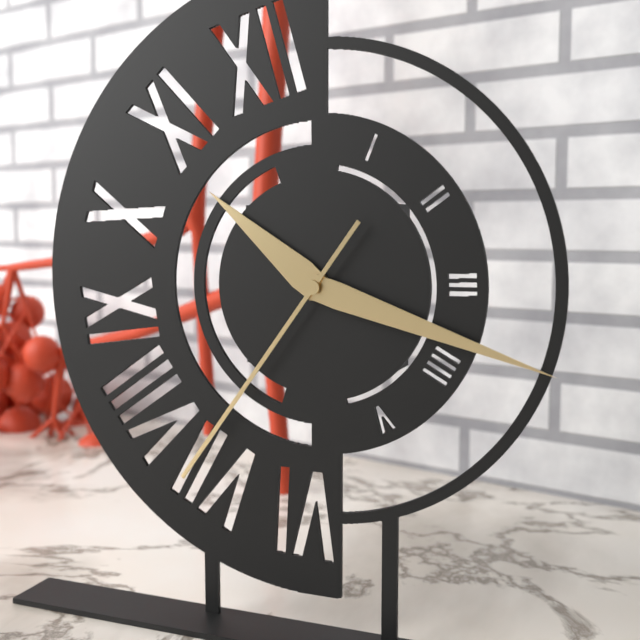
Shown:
10h18m36s
